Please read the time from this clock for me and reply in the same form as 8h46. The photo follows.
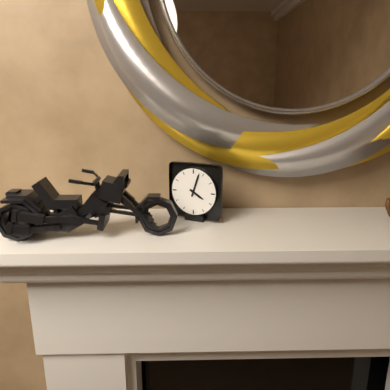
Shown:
4h03
